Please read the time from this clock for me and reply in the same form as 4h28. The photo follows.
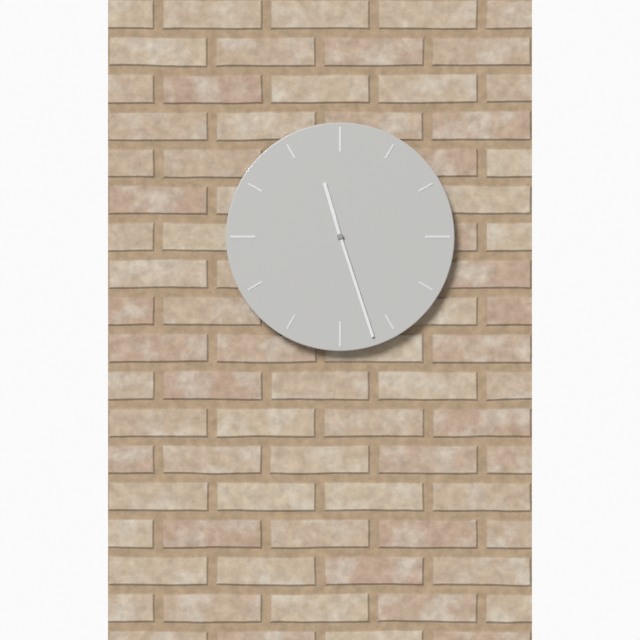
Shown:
11h27
